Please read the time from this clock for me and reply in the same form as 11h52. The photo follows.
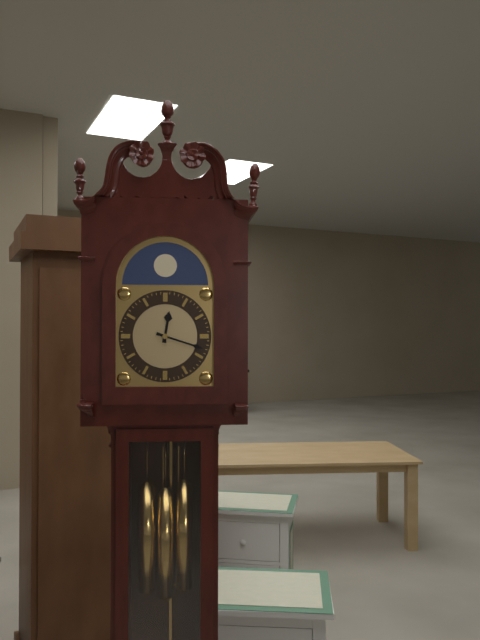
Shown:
12h18
